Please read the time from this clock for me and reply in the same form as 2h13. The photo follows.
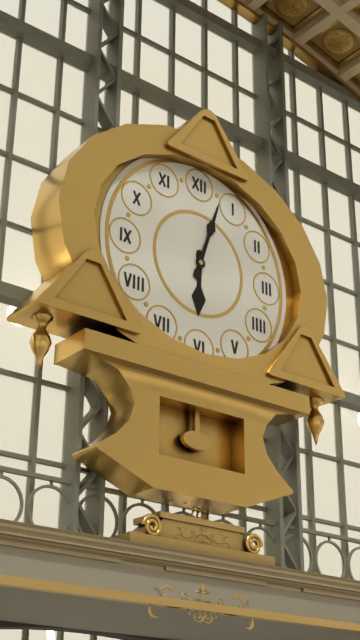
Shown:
6h03
